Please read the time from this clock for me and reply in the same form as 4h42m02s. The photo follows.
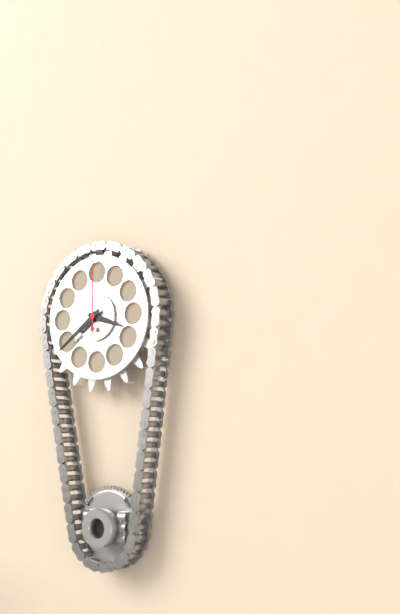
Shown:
3h39m00s
